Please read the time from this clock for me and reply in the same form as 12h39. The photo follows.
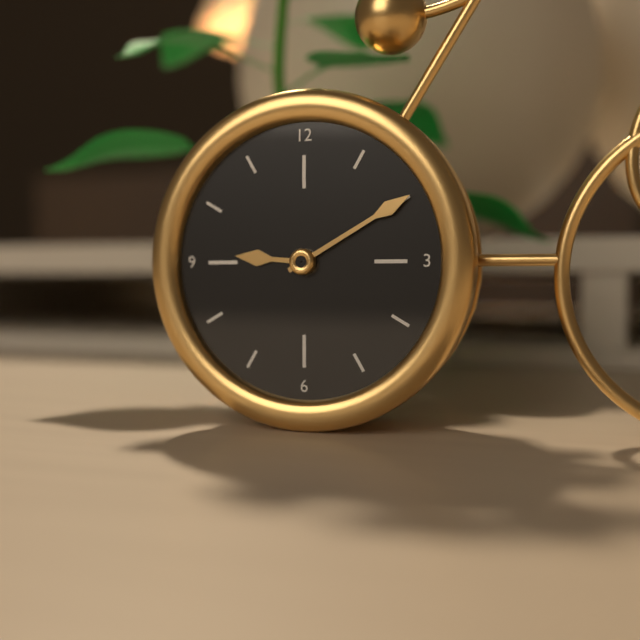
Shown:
9h10
